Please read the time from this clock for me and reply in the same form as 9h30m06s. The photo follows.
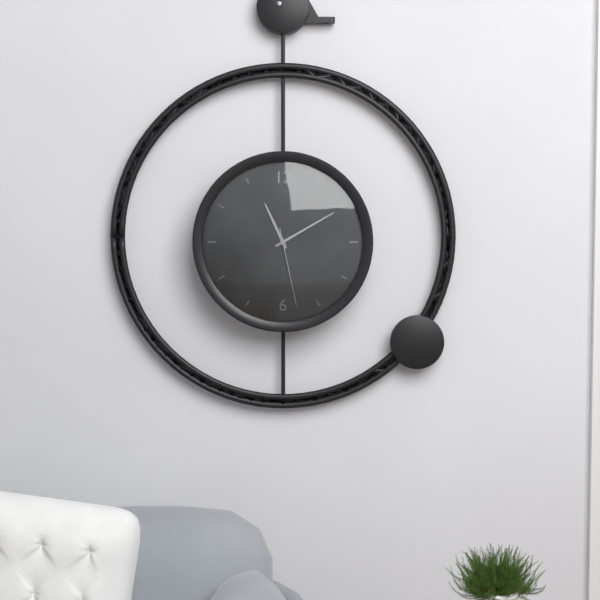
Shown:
11h10m28s
